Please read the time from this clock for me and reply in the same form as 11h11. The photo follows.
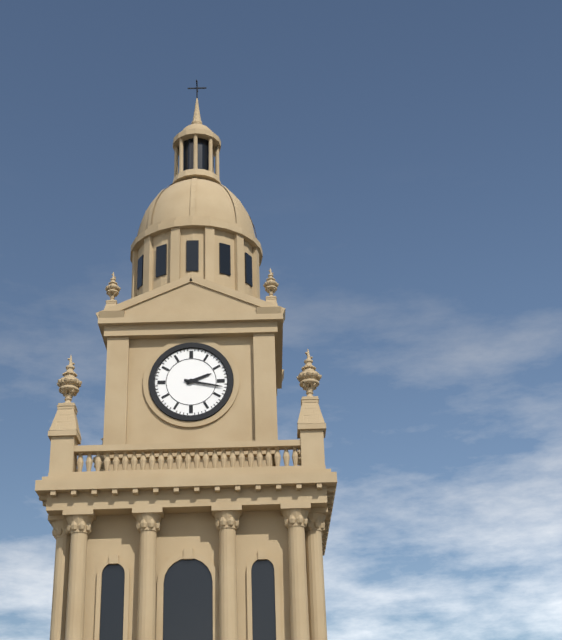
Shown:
2h17
